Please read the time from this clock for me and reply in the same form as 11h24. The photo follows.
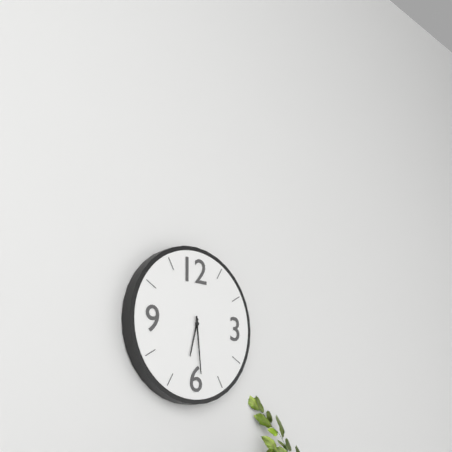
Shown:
6h29
